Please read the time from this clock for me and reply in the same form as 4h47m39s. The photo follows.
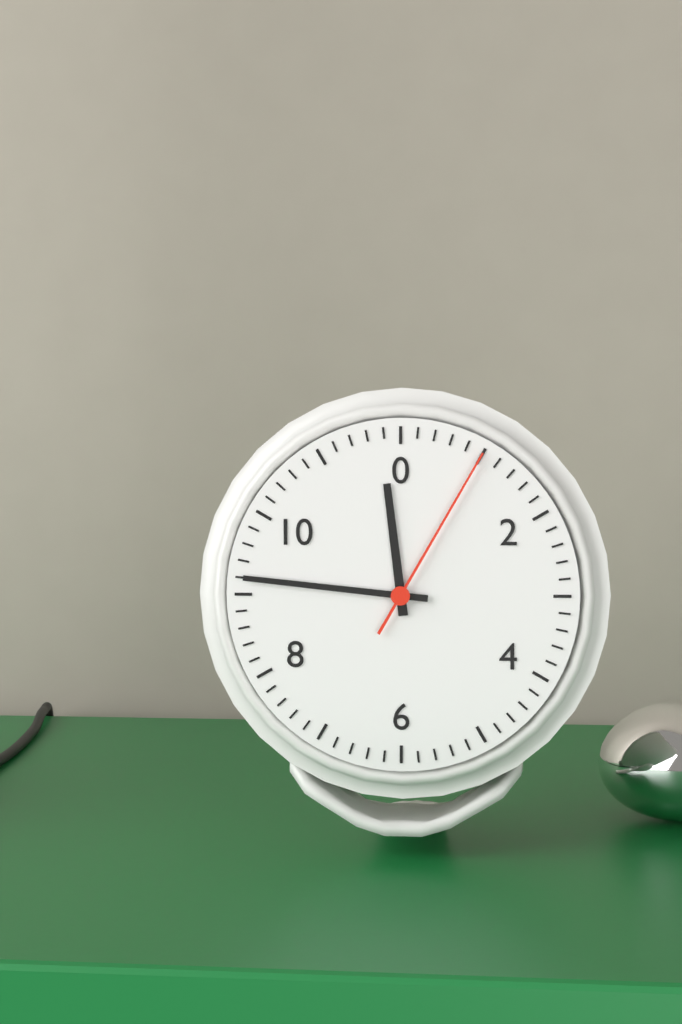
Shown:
11h46m05s
